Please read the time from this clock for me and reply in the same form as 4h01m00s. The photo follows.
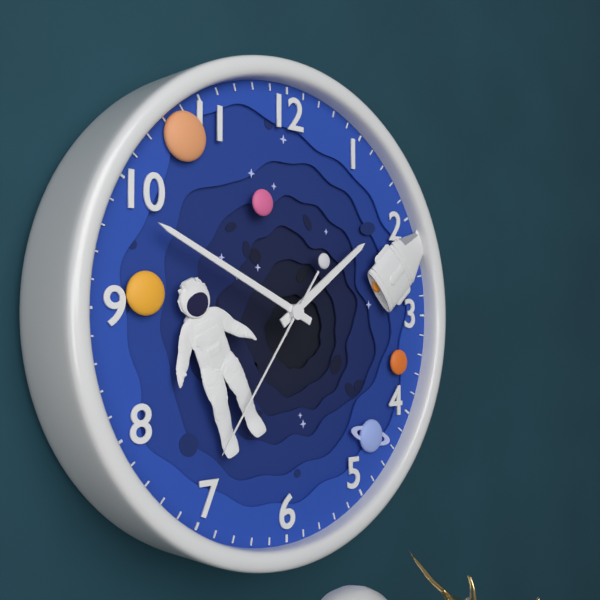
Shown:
1h49m36s
